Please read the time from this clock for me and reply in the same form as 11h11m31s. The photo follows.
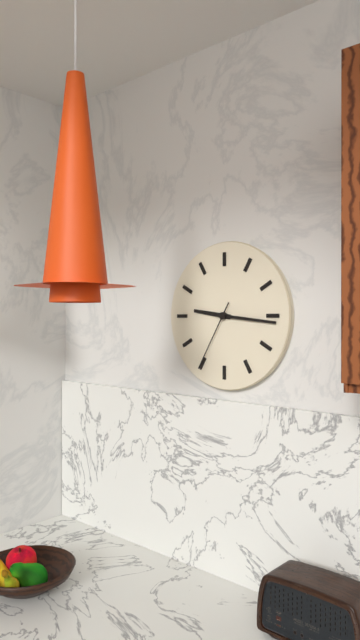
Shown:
9h16m35s
